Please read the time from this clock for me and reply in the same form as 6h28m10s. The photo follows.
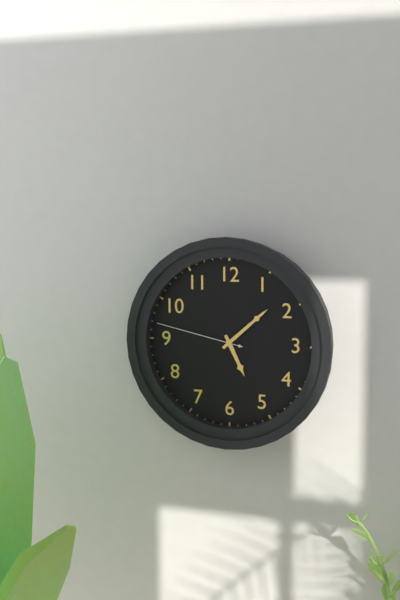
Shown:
5h08m47s
